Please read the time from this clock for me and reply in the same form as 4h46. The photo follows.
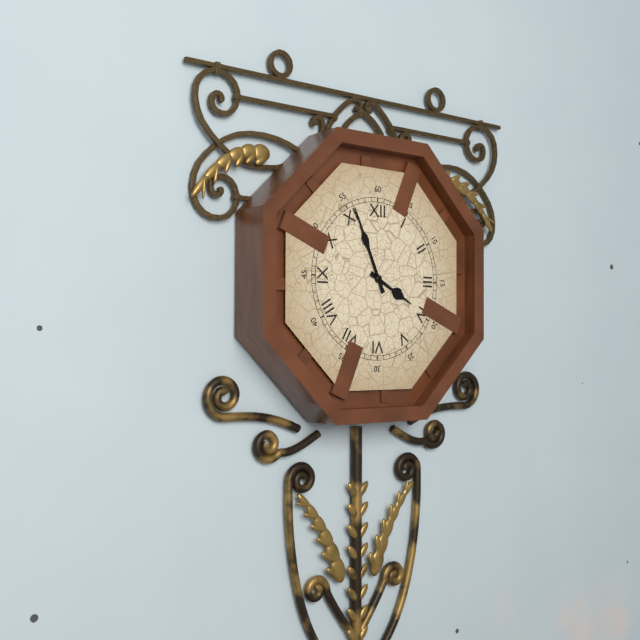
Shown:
3h56
